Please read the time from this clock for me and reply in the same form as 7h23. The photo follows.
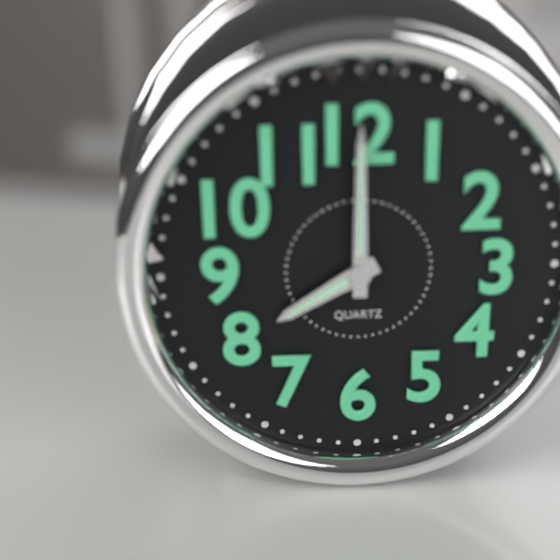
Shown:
8h00
